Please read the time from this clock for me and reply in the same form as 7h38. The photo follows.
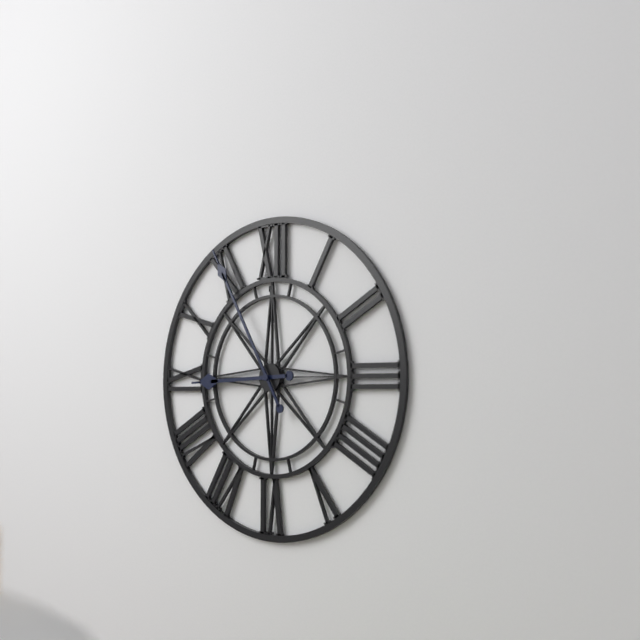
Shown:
8h55
